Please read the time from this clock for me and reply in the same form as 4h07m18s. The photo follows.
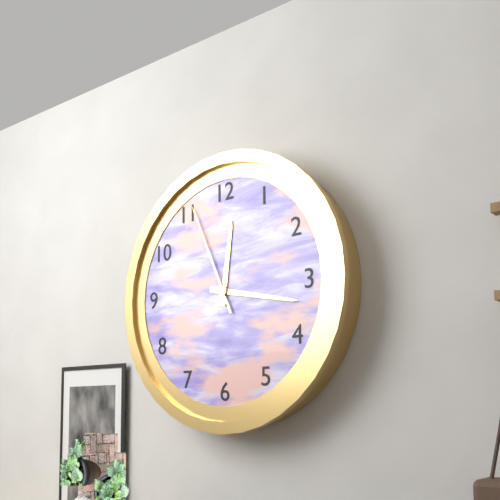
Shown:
12h17m56s
